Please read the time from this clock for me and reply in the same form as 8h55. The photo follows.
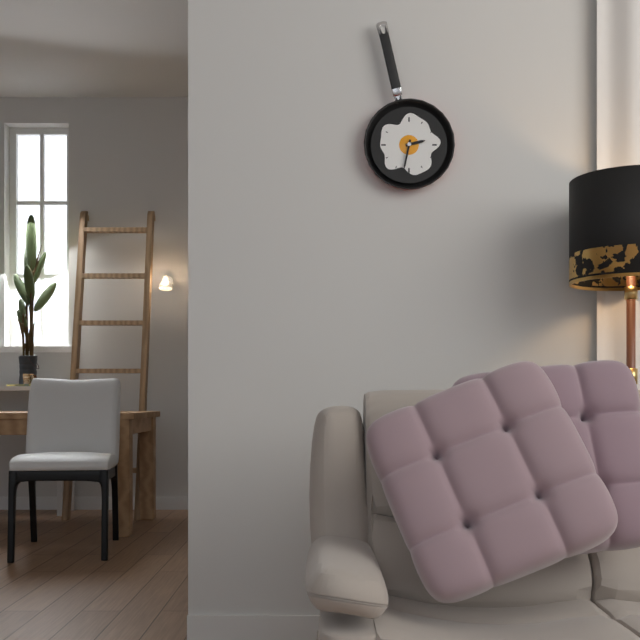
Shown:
2h32
